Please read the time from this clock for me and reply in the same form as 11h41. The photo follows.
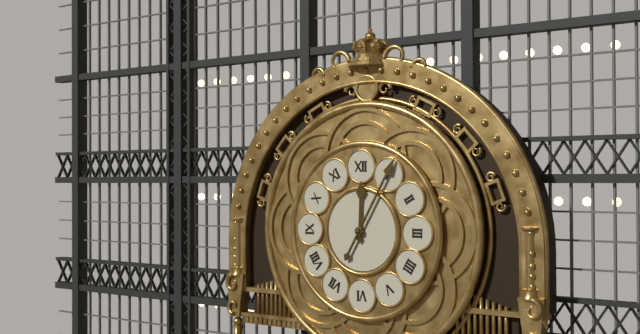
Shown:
12h05
